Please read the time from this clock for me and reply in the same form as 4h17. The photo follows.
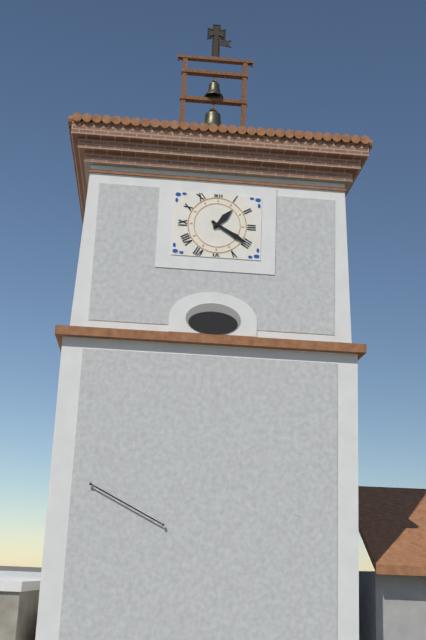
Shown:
1h20
